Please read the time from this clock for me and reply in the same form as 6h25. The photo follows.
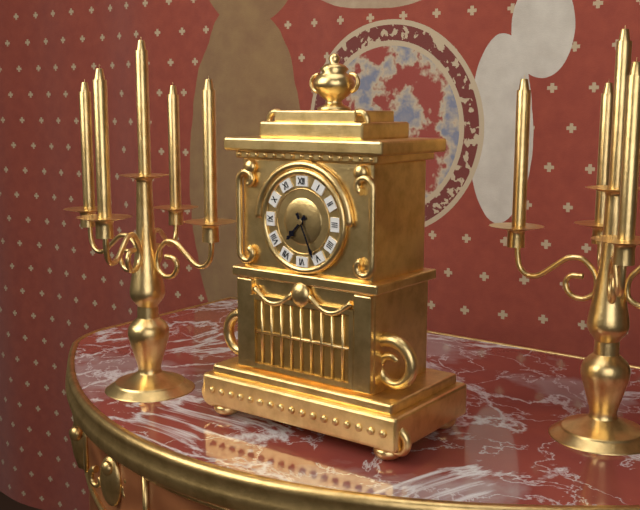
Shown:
7h26
